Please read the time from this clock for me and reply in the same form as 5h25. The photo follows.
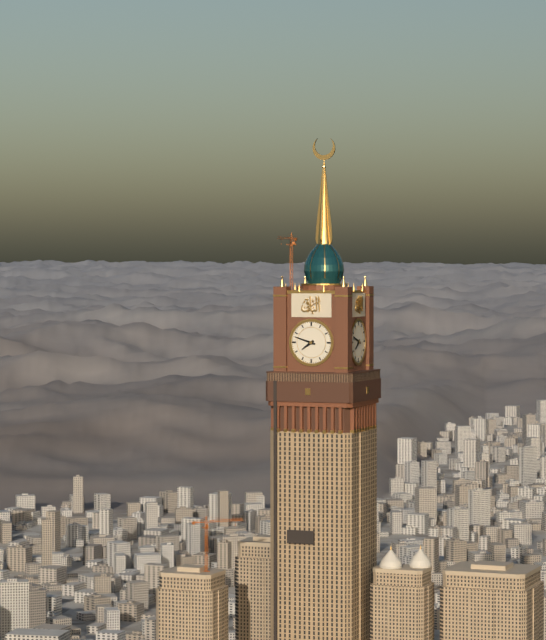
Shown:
7h48
